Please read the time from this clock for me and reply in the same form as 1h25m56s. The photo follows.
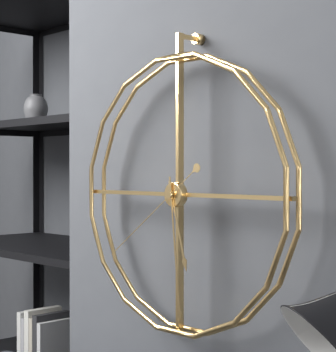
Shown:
5h29m39s
